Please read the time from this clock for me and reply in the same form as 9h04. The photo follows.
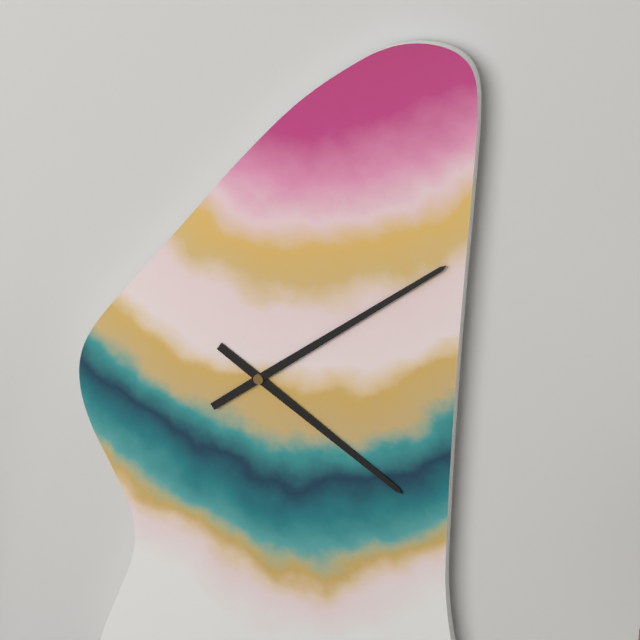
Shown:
4h09
